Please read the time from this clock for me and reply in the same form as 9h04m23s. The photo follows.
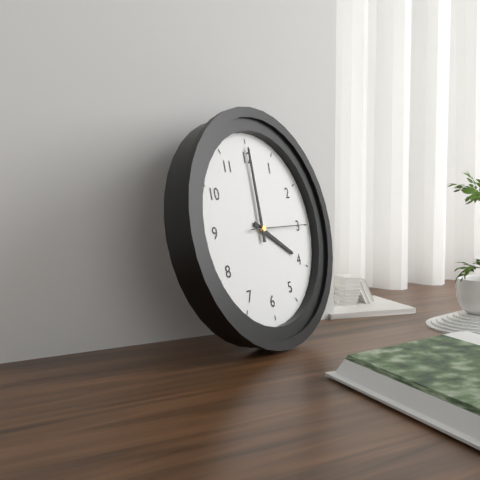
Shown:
4h00m15s
